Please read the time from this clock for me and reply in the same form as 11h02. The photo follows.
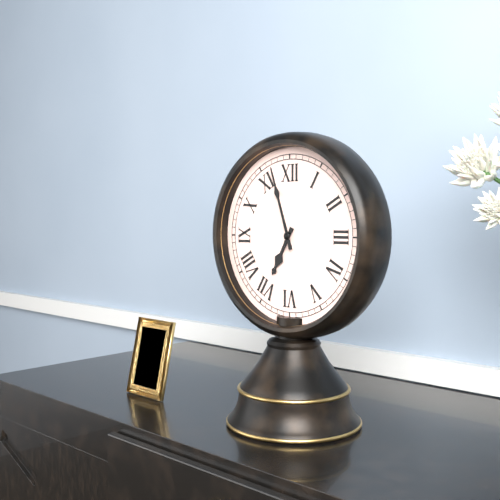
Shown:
6h57
